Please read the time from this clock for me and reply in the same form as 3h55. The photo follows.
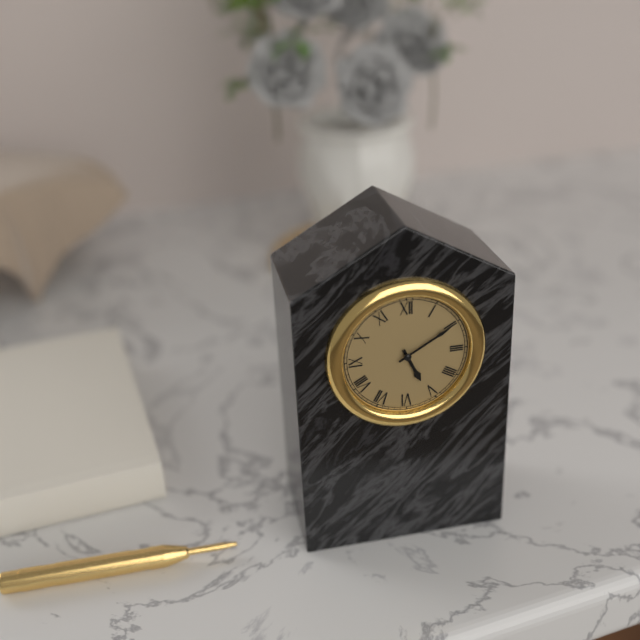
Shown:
5h10
